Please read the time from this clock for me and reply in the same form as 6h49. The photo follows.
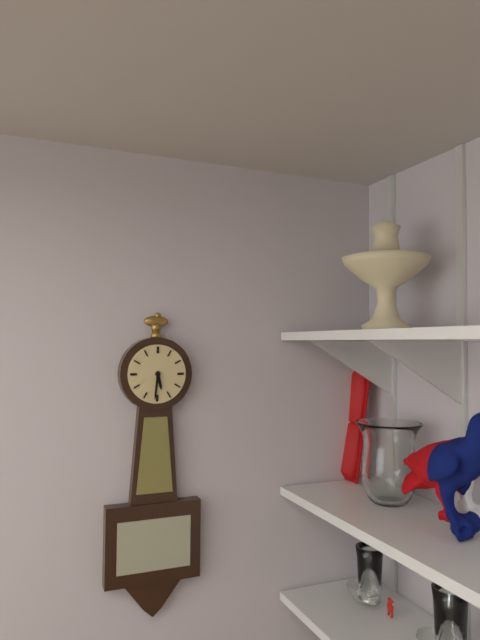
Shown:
5h31
